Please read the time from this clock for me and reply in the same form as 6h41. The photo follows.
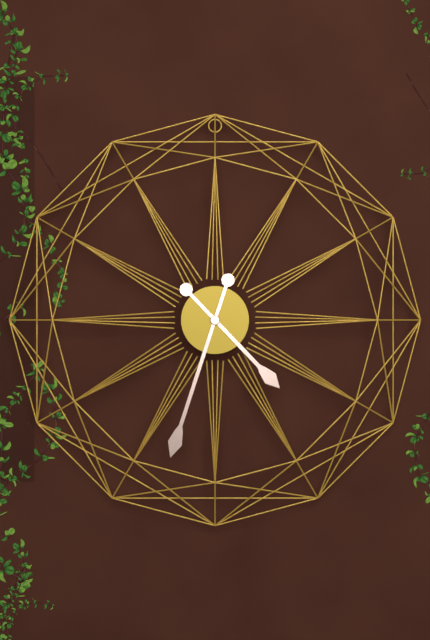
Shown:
4h33
